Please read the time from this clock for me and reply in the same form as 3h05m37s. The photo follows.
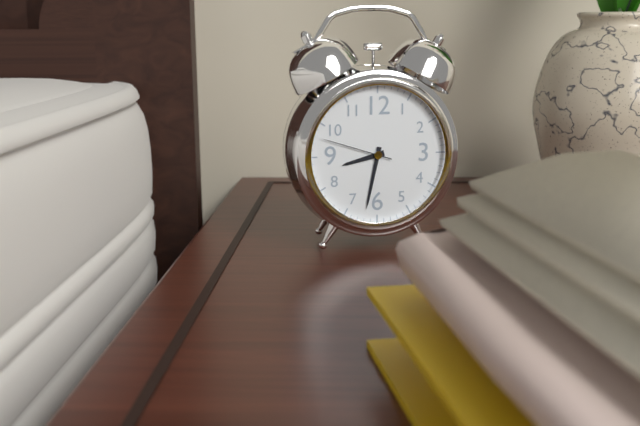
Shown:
8h32m48s
